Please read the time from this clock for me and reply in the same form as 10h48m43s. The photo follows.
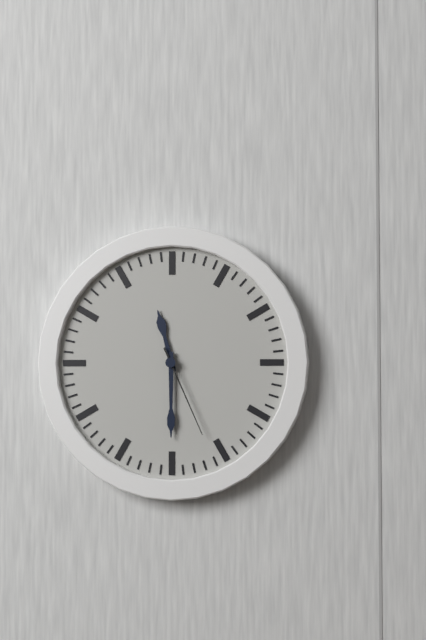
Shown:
11h30m26s
